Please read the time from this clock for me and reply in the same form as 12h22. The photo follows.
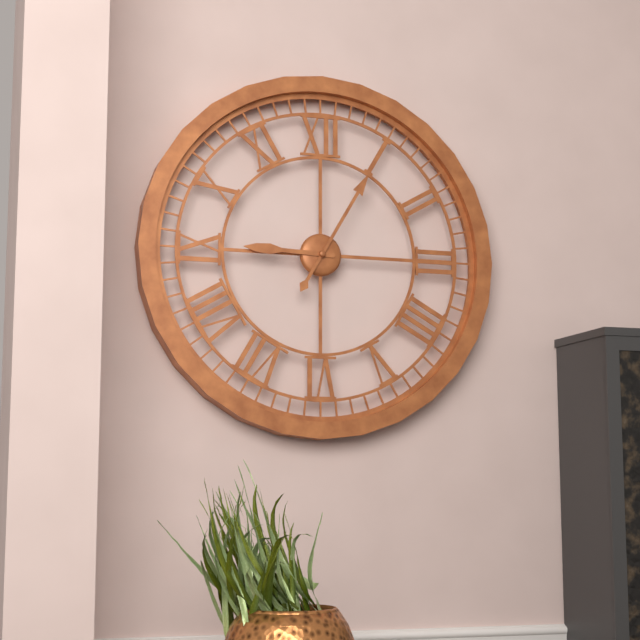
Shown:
9h05
